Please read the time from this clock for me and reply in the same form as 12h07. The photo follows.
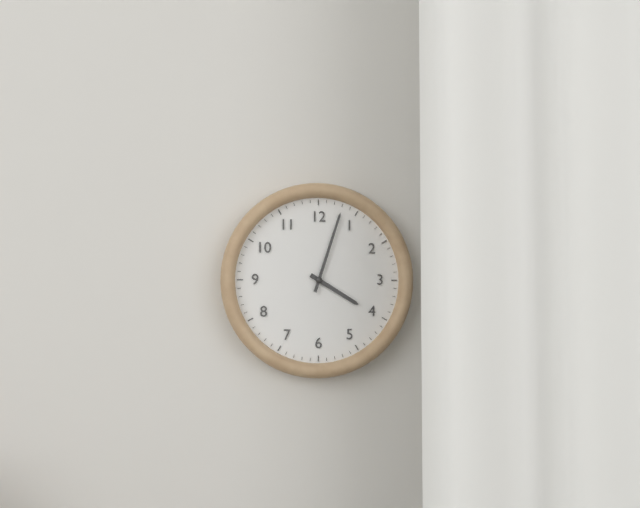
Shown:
4h03
